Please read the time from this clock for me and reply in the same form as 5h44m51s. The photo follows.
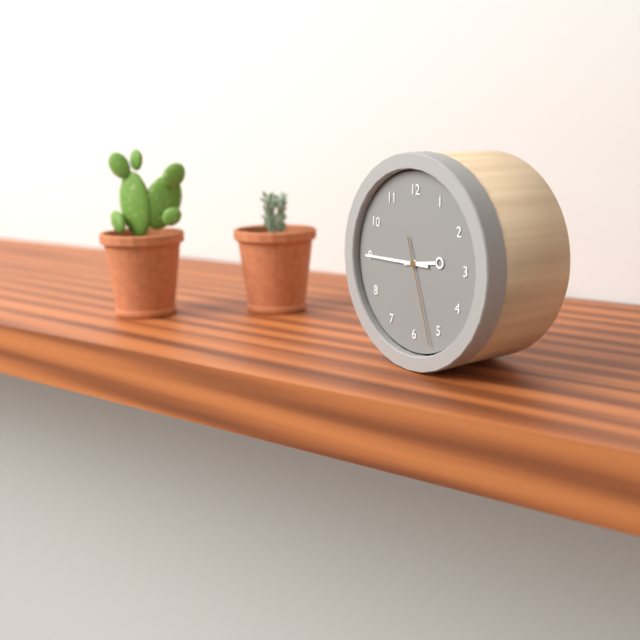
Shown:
2h45m27s
